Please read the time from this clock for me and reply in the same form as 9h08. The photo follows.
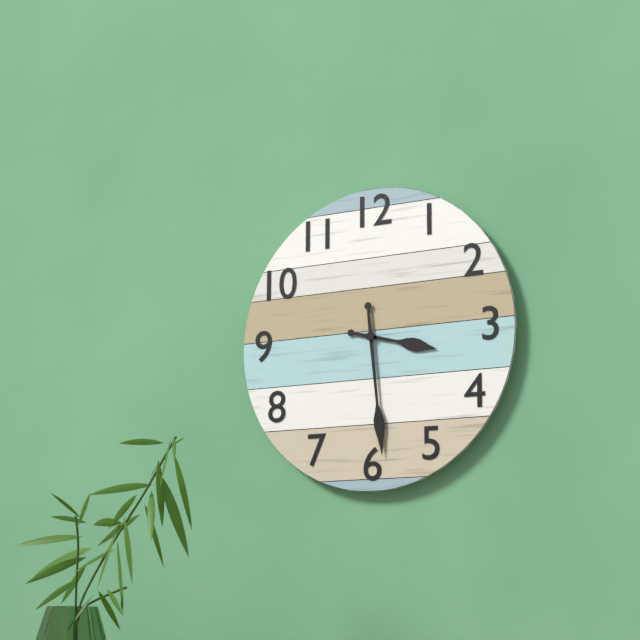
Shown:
3h29
